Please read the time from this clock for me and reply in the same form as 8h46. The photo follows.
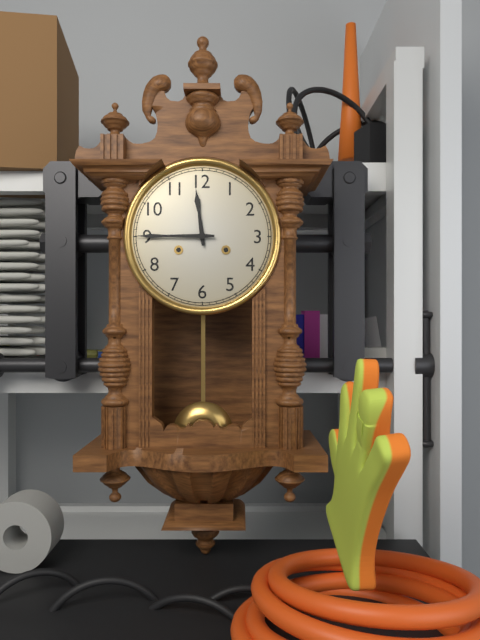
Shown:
11h45
